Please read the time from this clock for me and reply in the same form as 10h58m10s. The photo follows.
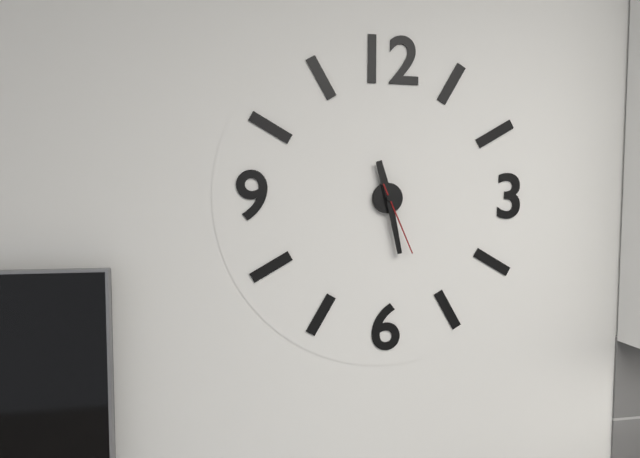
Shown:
11h28m26s
